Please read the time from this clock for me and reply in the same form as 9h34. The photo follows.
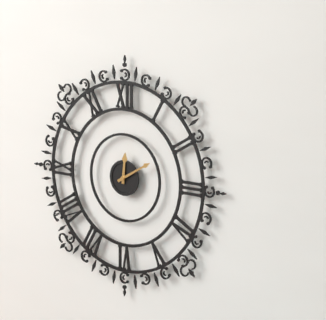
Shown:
12h10
